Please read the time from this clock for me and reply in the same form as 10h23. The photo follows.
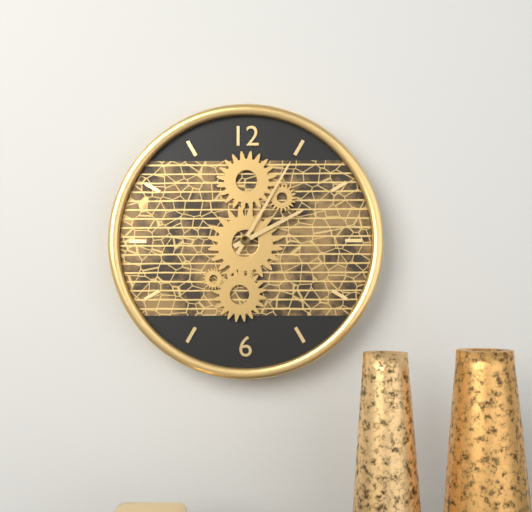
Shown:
2h05
